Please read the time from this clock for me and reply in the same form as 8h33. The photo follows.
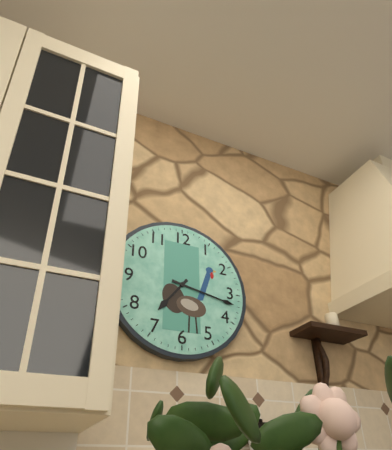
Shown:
7h17
